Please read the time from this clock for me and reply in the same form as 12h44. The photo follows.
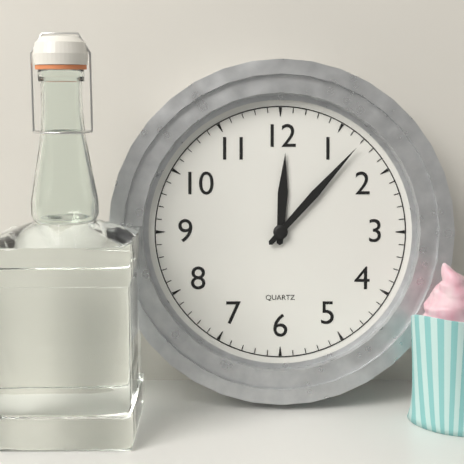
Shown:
12h07
